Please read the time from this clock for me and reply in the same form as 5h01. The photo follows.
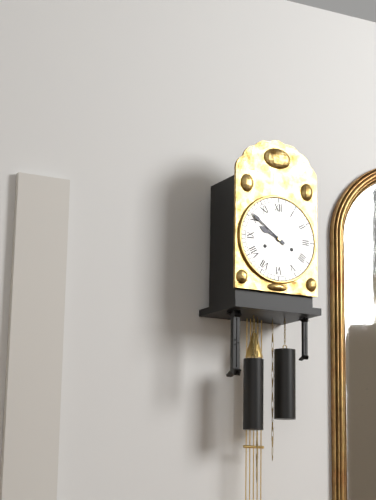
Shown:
9h51
